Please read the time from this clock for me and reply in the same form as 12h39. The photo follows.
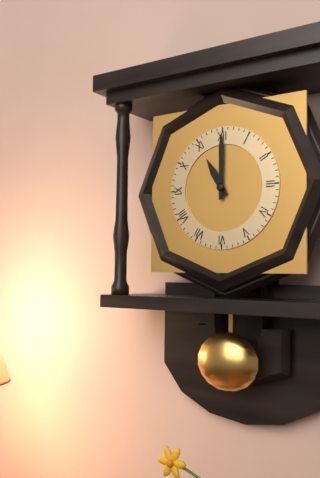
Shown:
11h00
